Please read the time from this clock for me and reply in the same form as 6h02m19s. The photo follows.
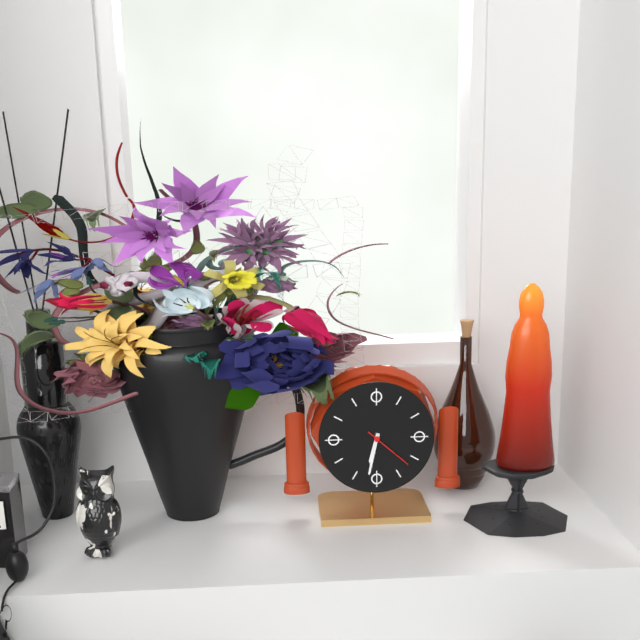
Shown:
6h32m22s
